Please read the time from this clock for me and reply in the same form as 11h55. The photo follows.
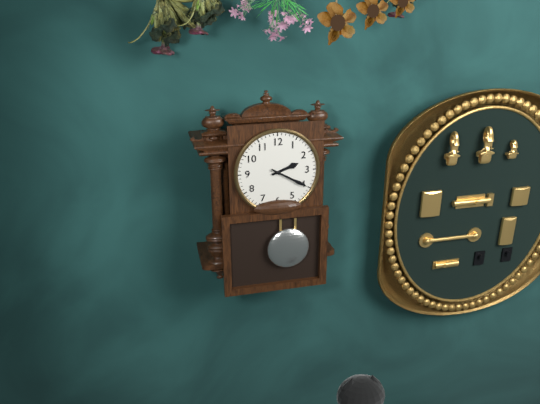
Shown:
2h20
